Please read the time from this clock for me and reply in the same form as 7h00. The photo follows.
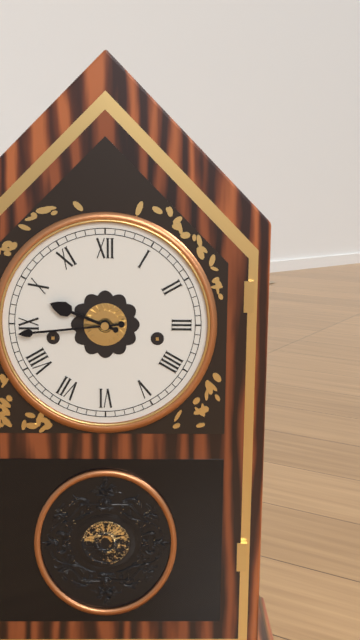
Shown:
9h44
